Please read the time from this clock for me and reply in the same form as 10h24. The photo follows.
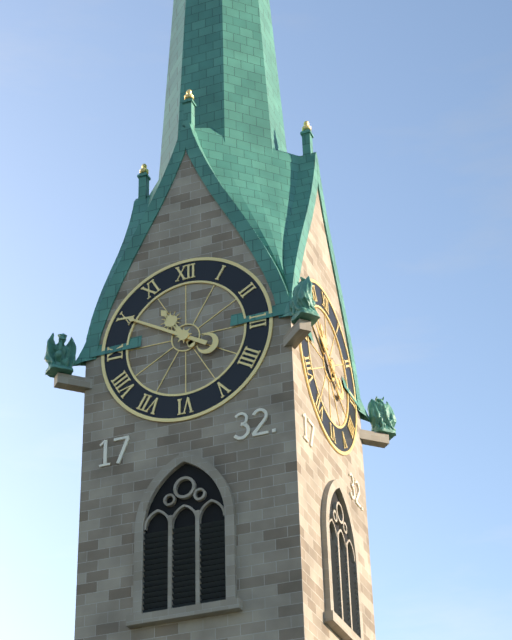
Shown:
10h50
